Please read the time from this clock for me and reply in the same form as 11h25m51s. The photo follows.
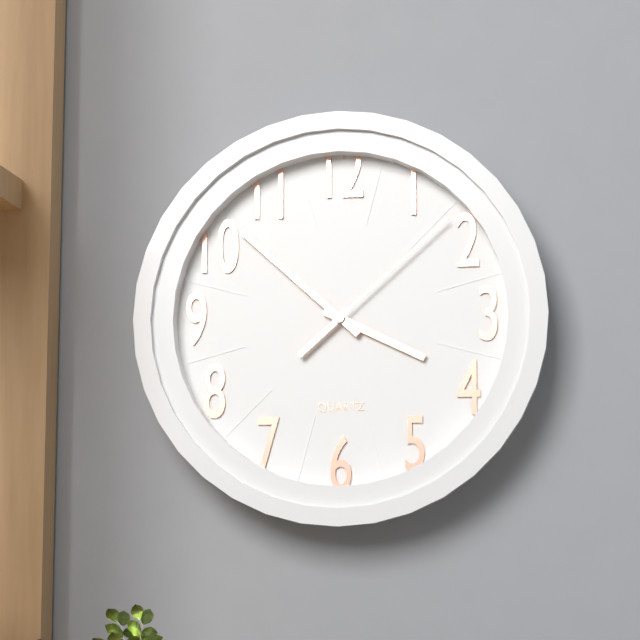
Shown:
3h52m08s
